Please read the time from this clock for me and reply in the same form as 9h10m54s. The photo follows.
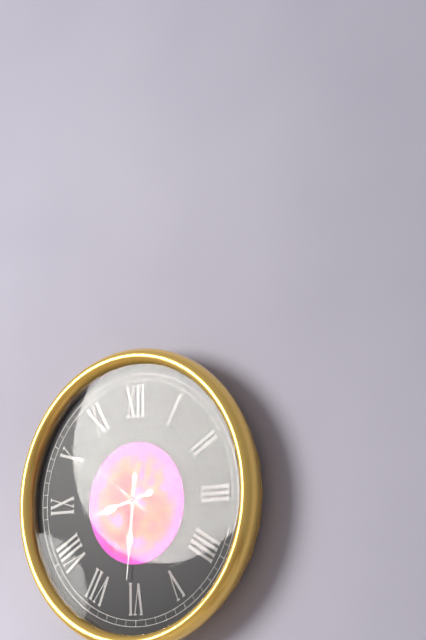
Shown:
8h31m51s
